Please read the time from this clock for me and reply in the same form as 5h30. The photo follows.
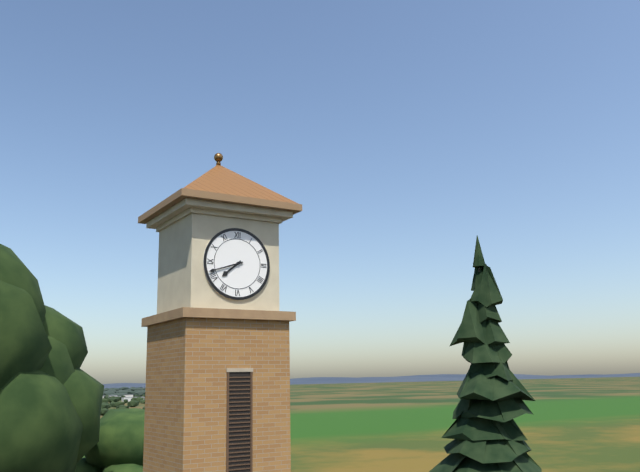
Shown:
7h42
